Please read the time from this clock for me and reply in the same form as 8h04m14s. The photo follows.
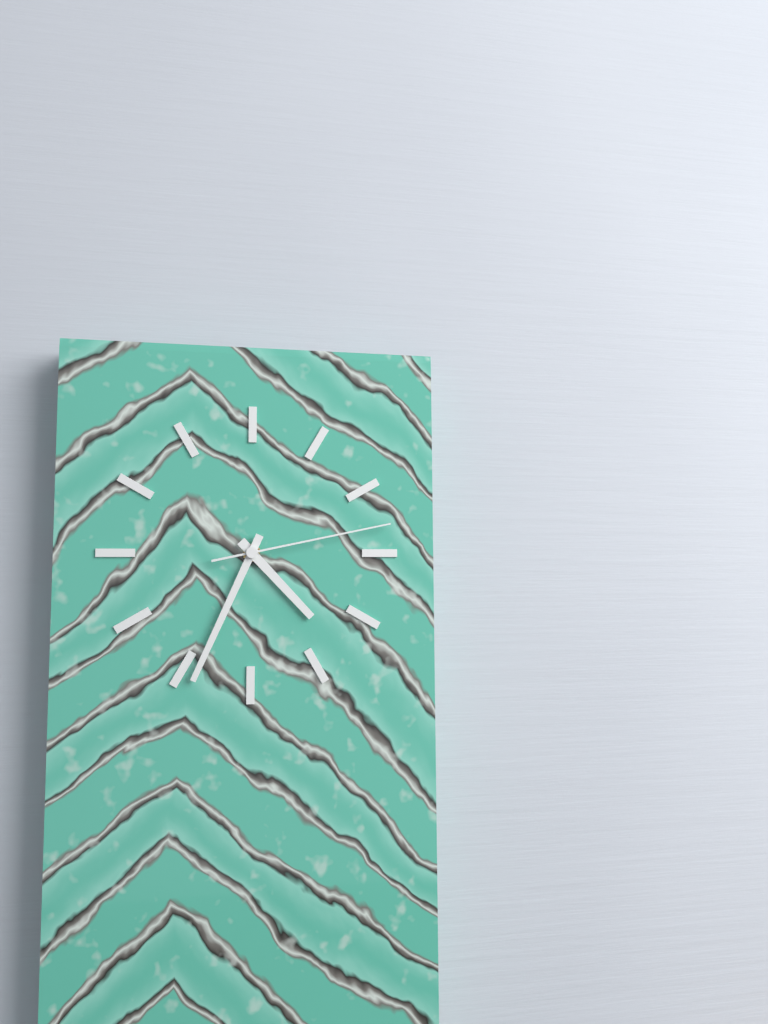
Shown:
4h34m13s
